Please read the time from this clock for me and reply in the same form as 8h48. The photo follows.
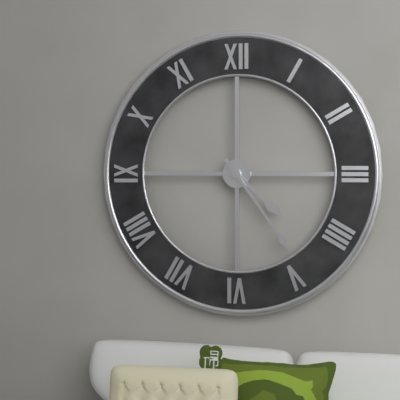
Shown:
4h24
